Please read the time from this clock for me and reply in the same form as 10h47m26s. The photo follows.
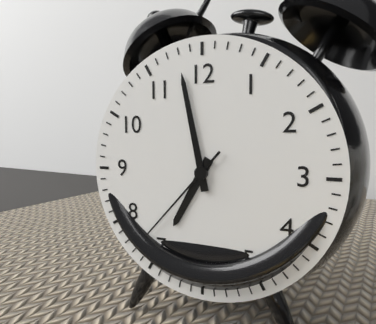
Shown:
6h58m37s
